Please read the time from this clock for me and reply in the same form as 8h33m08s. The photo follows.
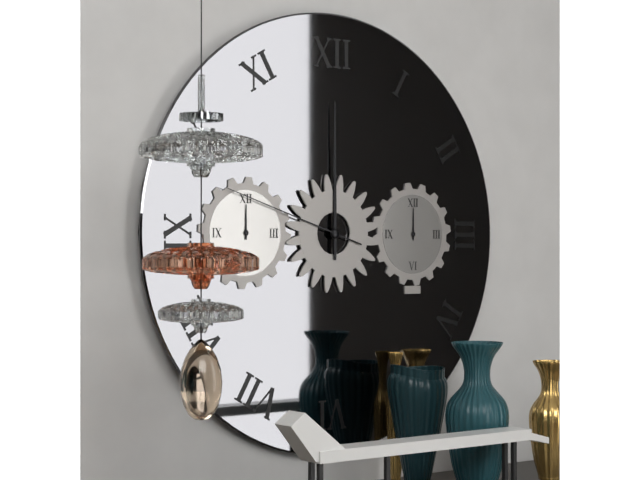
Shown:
12h00m48s
